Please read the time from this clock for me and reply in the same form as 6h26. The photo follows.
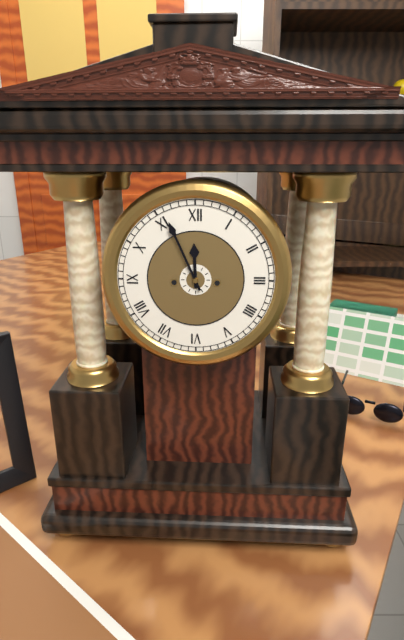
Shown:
11h56
